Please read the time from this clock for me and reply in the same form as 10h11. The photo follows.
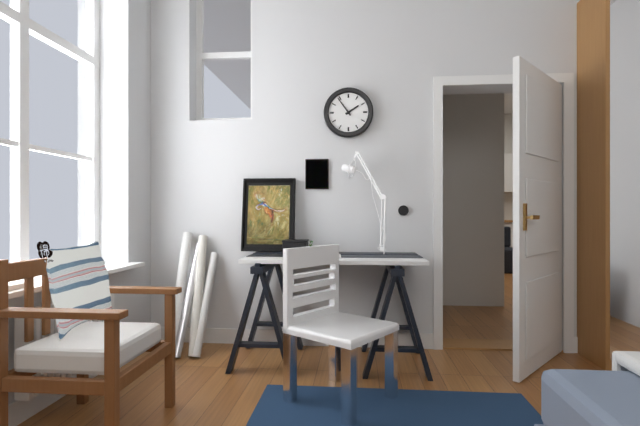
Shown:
1h54
